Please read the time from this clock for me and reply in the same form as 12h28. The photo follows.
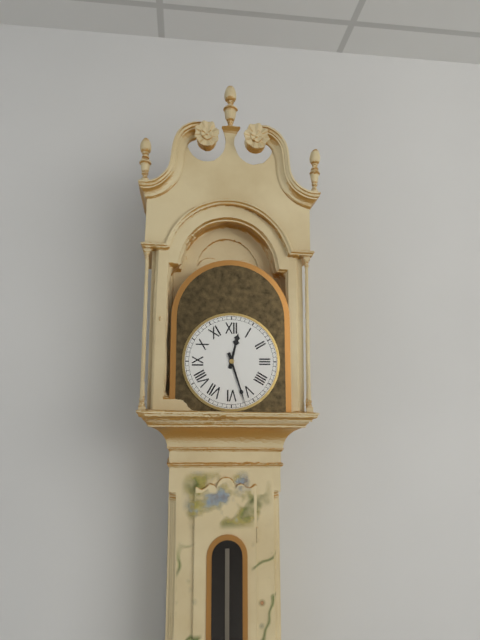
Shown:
12h27
